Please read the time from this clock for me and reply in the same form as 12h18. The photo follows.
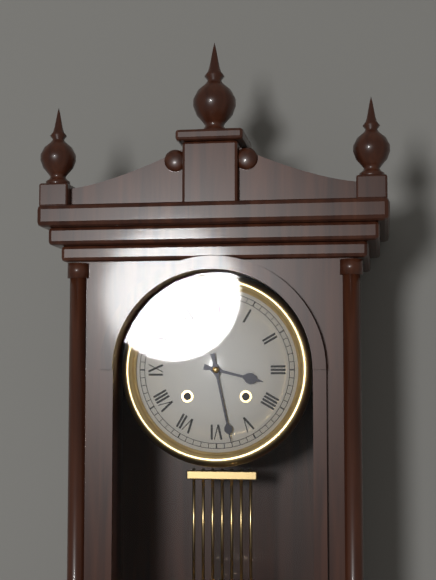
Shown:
3h28
